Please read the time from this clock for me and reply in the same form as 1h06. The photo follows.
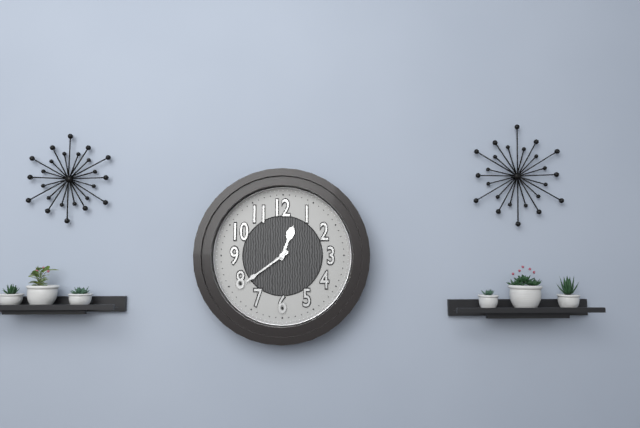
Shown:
12h39
